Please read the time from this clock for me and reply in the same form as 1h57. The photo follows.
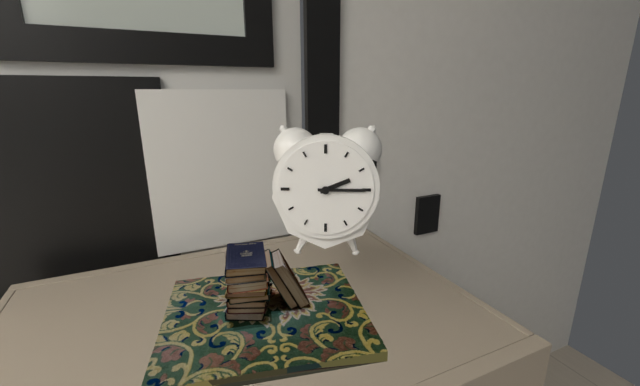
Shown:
2h15
